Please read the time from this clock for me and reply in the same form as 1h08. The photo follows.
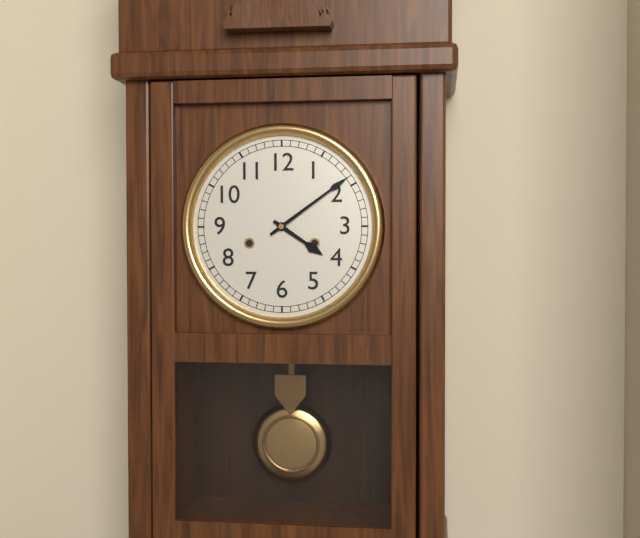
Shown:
4h09
